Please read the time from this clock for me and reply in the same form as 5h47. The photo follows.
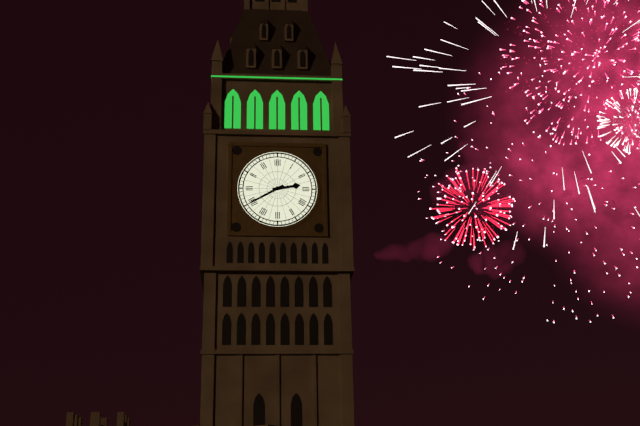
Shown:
2h40
